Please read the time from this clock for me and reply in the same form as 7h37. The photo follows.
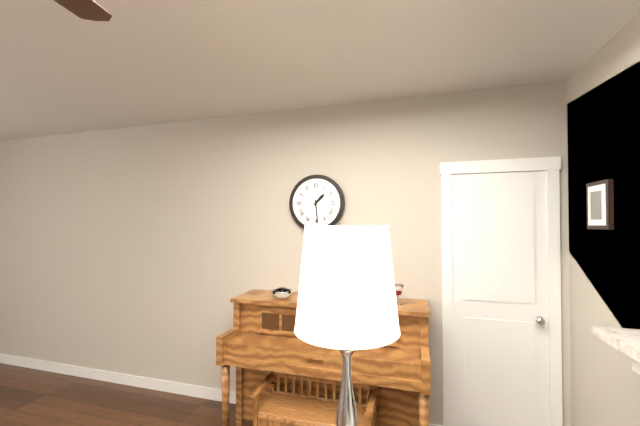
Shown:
1h29
